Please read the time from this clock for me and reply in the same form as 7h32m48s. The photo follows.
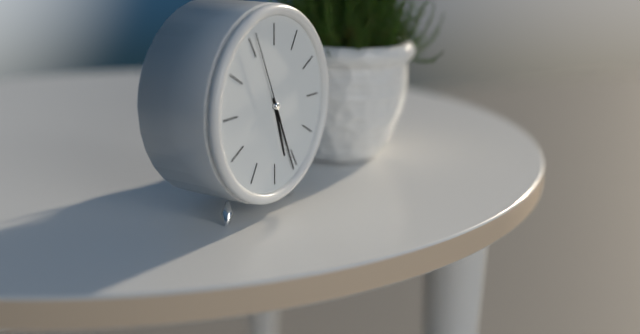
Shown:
5h26m56s
